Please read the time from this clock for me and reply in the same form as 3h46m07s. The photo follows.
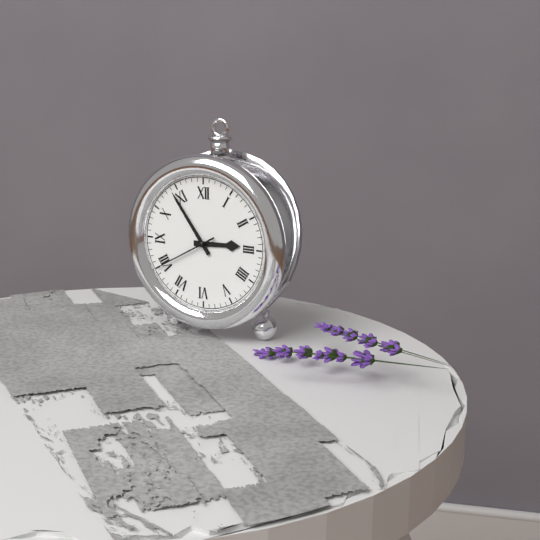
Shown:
2h54m40s
